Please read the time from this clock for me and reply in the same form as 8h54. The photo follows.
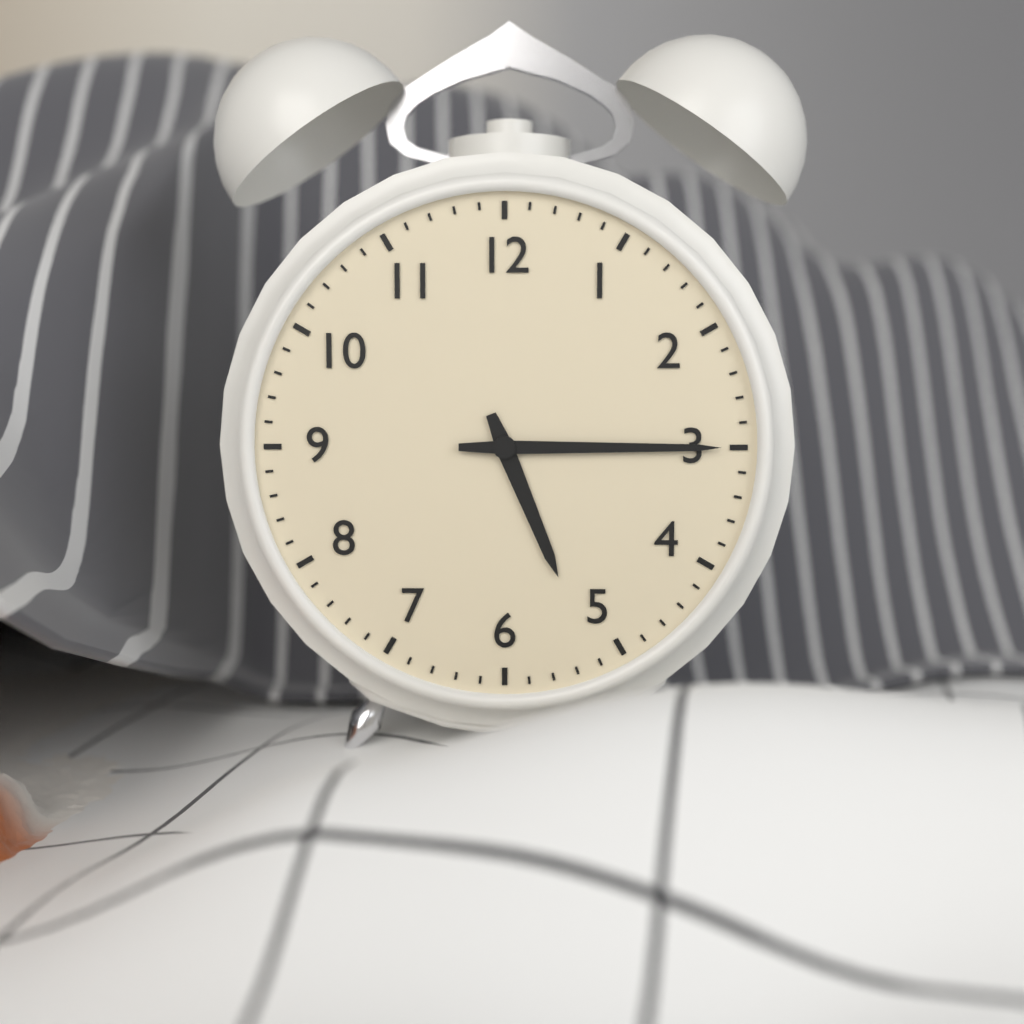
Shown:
5h15
